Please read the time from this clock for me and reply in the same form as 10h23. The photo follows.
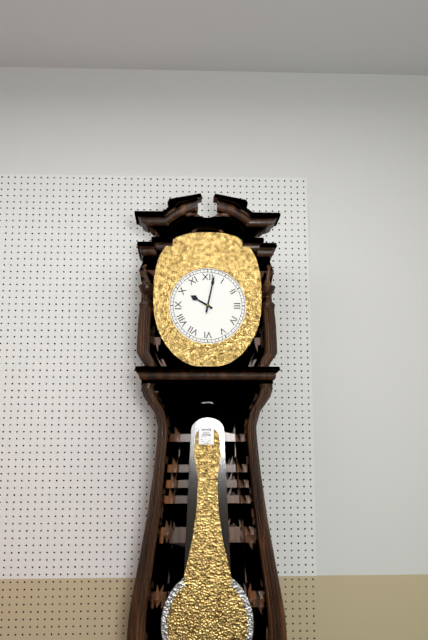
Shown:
10h02
